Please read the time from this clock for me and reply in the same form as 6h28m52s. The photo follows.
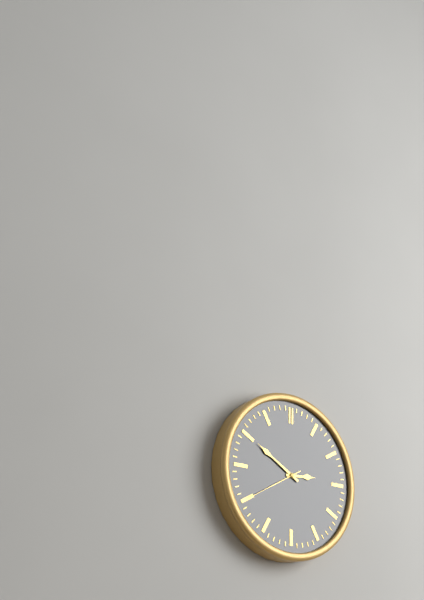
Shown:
2h50m40s
